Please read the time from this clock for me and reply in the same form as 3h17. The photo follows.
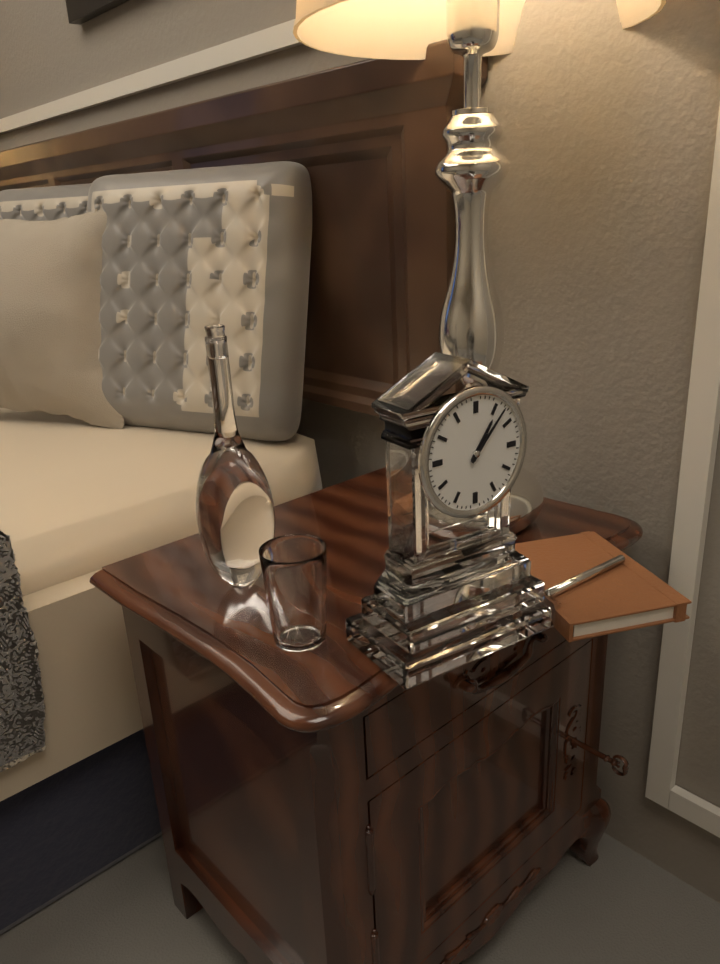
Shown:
1h07
